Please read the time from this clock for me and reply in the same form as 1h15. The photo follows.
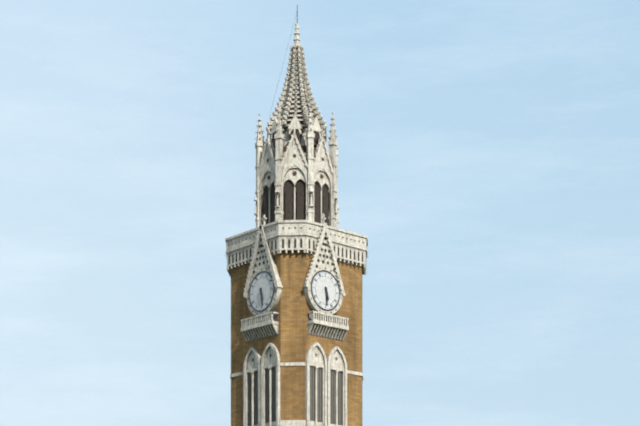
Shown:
5h29
